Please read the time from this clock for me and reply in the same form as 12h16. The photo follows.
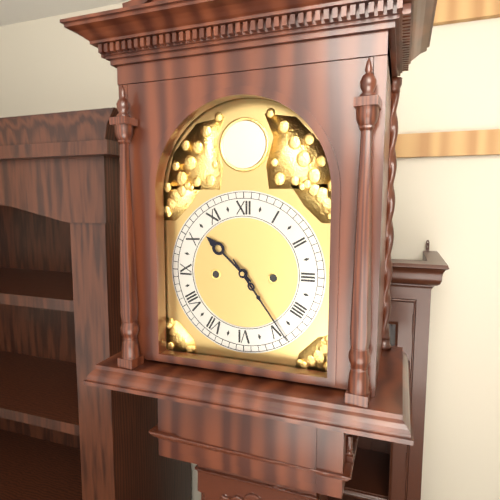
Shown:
10h24
